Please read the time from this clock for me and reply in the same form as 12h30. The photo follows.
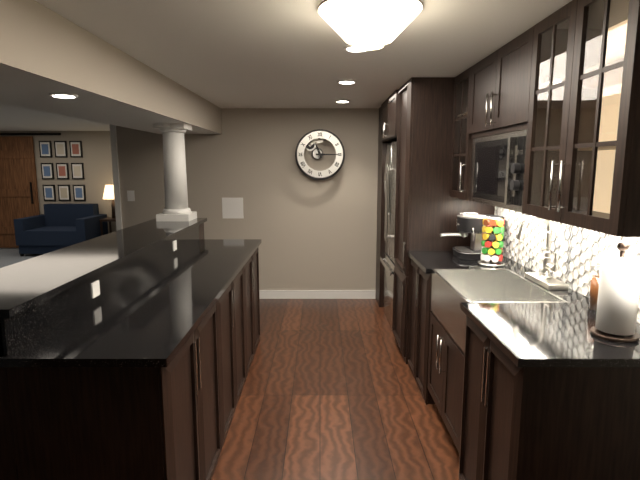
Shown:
11h15
